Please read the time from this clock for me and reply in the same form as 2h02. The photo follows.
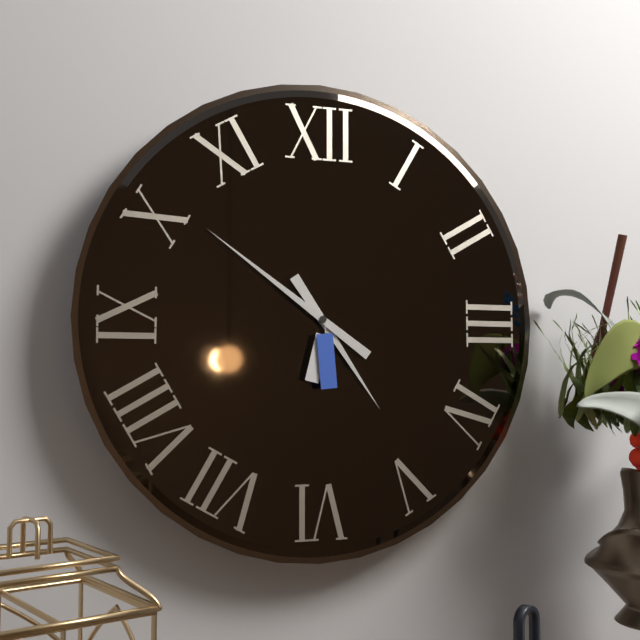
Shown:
4h51
